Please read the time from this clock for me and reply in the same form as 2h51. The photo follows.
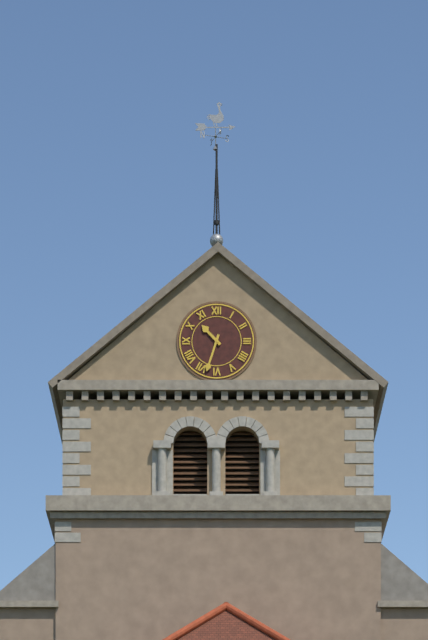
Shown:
10h33
